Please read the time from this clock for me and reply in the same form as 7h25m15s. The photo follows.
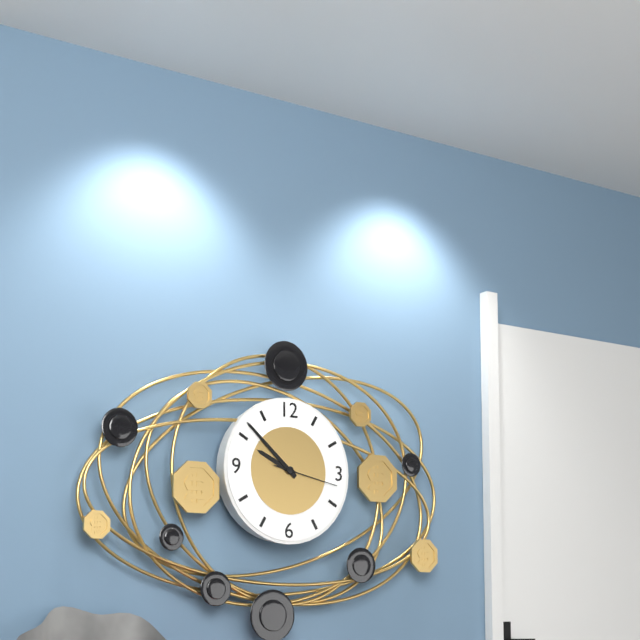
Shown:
9h52m17s
